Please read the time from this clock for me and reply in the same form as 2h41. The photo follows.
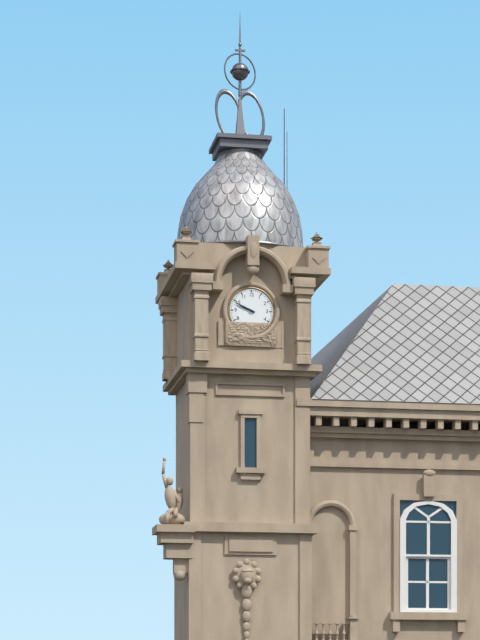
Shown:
9h49
